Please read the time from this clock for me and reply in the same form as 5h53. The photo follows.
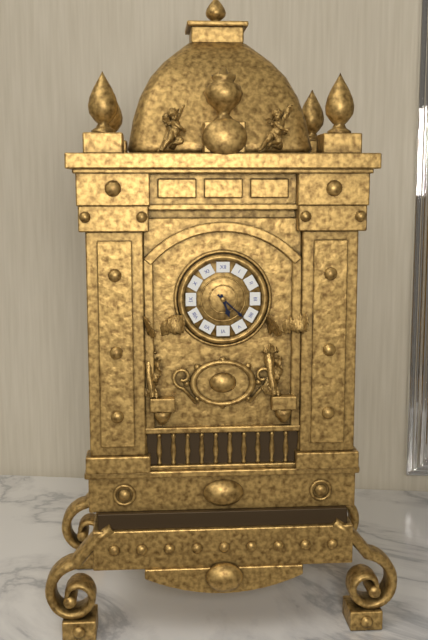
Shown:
5h22
